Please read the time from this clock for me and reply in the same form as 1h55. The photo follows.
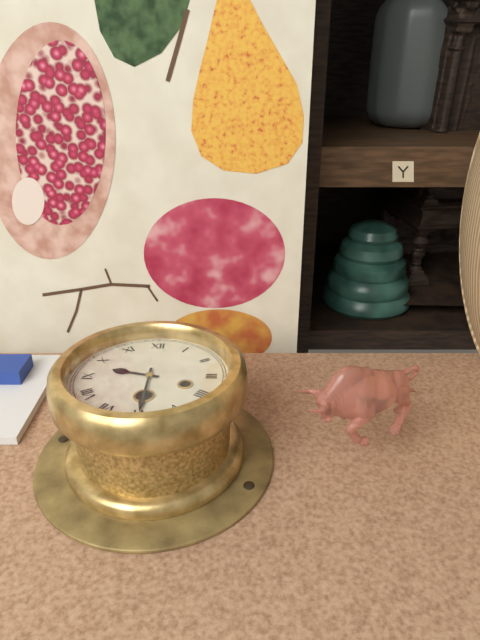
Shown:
9h30
